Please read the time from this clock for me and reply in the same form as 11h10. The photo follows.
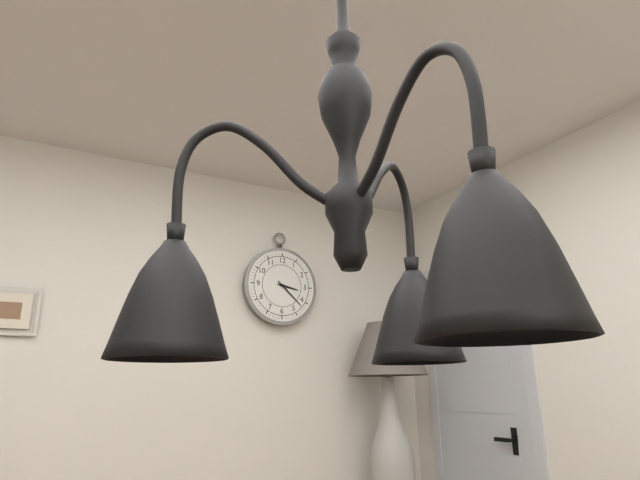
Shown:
3h22
